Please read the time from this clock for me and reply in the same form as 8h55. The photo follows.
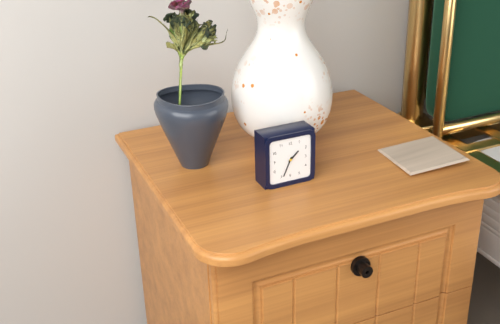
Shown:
1h34
